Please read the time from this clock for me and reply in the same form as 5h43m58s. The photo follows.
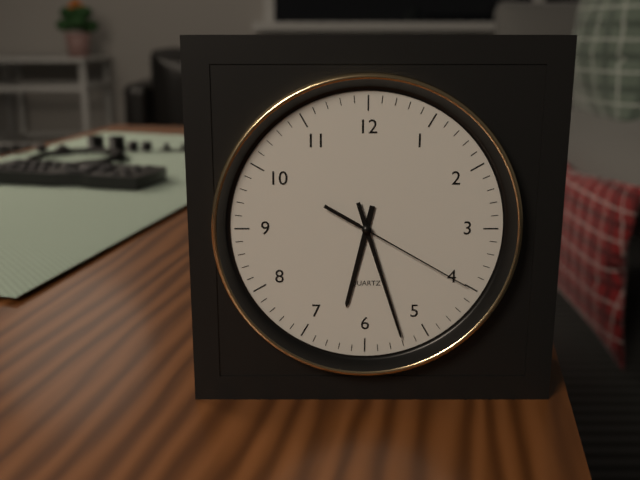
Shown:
6h27m20s
